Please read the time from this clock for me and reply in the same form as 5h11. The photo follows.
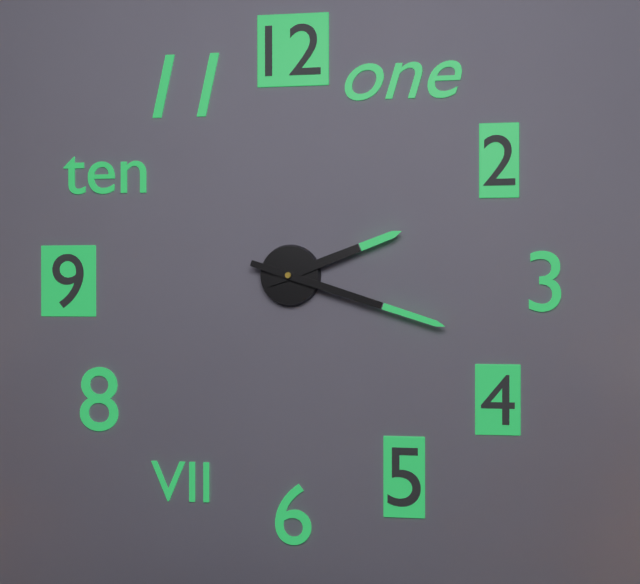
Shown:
2h18
